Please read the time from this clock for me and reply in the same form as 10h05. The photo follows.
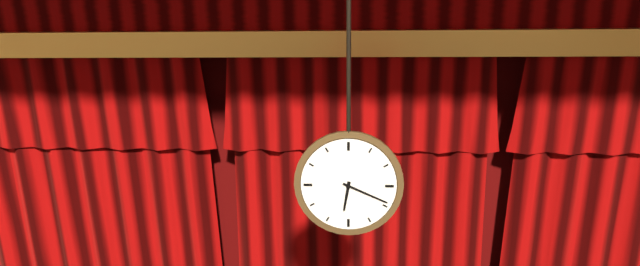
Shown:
6h19
